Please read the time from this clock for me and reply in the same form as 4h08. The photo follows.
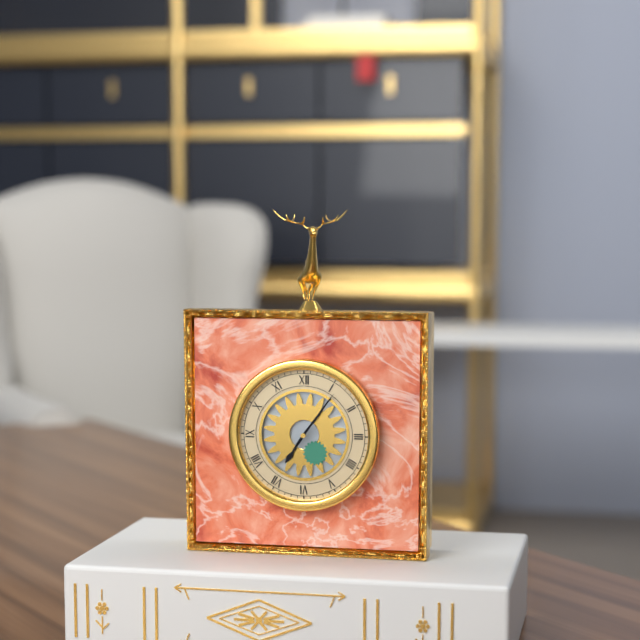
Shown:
7h06
